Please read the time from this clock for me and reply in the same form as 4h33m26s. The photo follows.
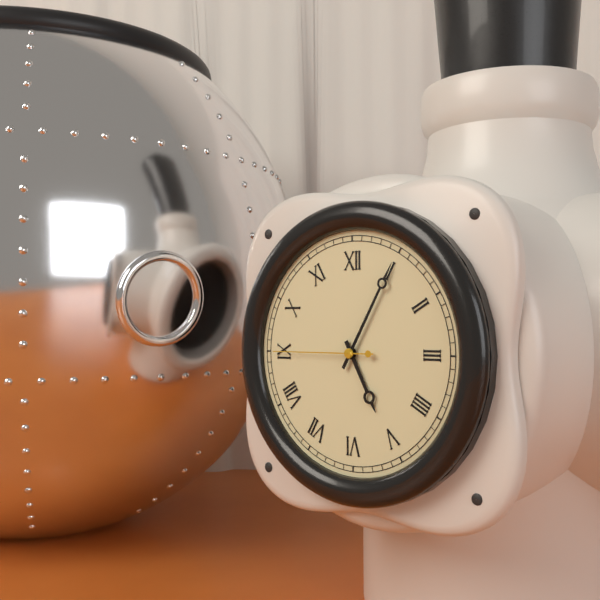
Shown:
5h05m45s
